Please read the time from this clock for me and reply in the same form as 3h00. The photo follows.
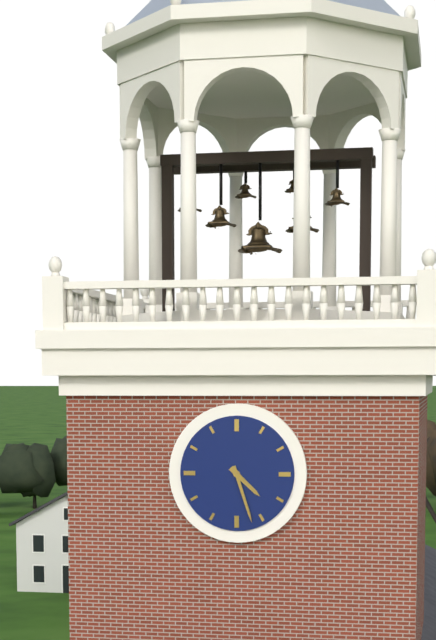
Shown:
4h27
